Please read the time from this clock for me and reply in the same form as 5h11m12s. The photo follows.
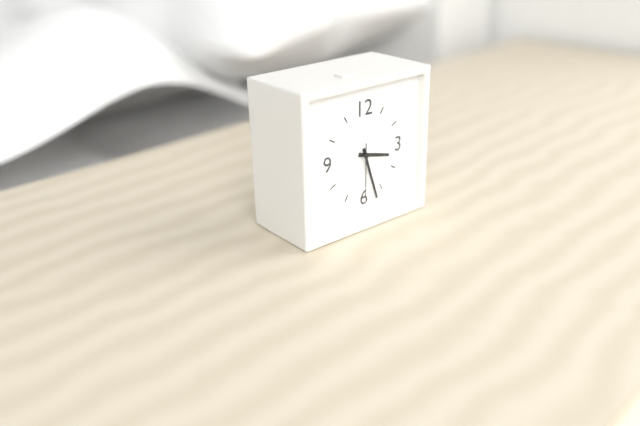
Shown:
3h27m30s
